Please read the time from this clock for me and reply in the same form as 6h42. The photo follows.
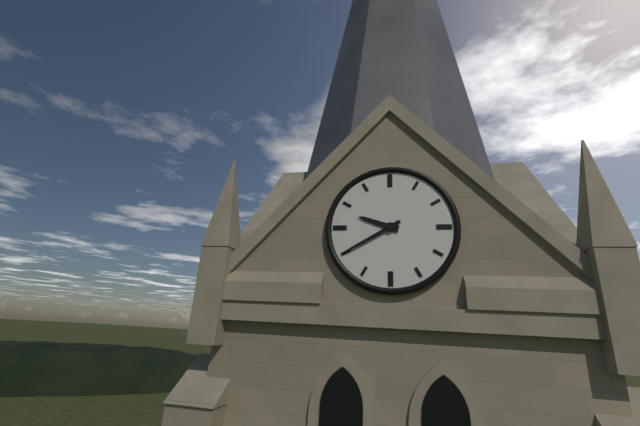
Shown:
9h40
